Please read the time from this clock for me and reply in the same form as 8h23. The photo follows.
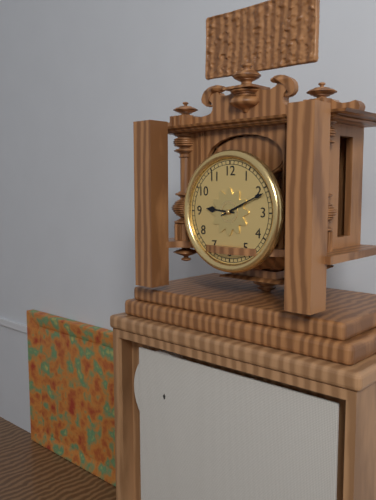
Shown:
9h11
